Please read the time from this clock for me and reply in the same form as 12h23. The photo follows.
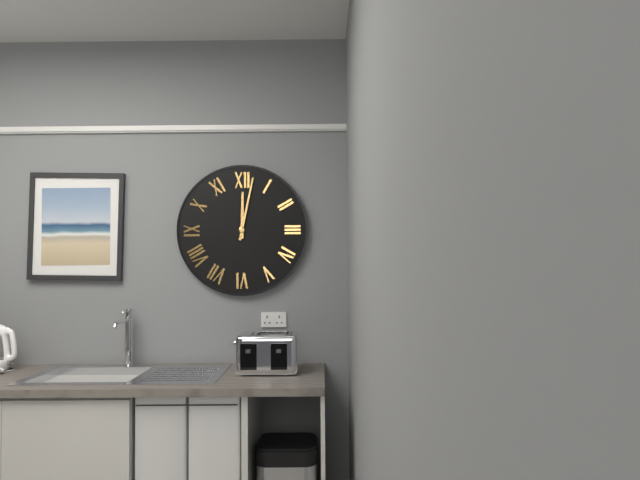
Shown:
12h02
